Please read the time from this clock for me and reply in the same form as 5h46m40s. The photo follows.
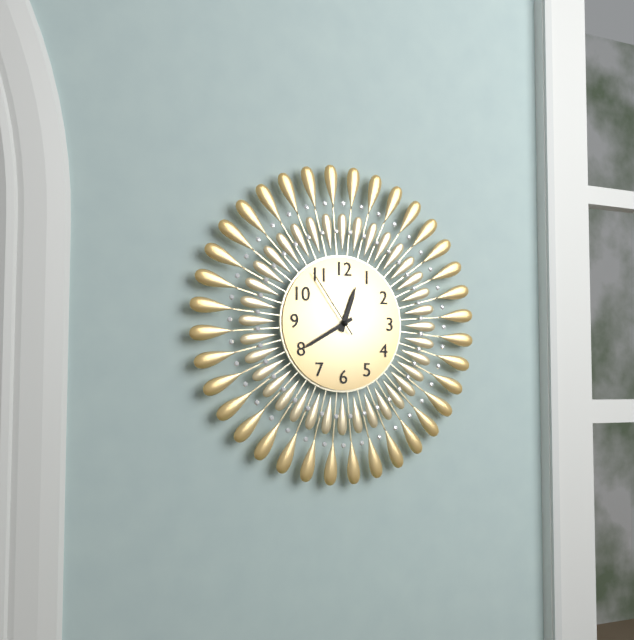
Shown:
12h40m54s
